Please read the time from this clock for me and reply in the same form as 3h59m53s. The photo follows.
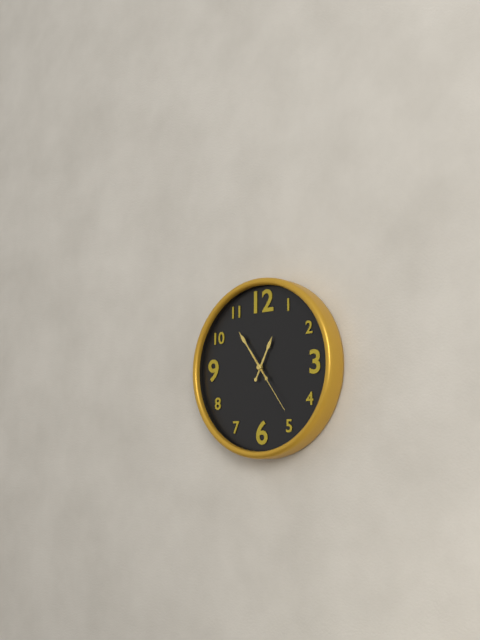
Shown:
12h54m24s
